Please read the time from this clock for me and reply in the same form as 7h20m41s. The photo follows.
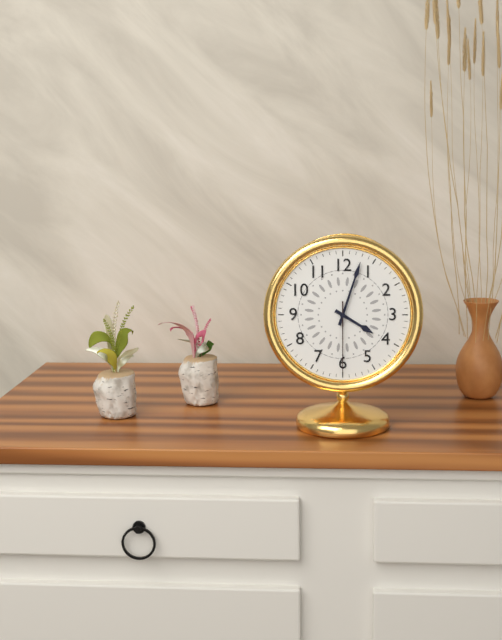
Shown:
4h03m30s
